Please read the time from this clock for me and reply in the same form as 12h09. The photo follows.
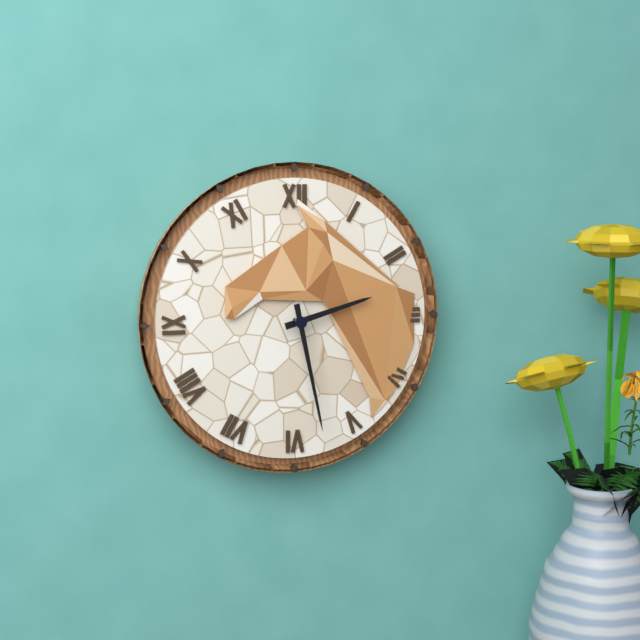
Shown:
2h28
